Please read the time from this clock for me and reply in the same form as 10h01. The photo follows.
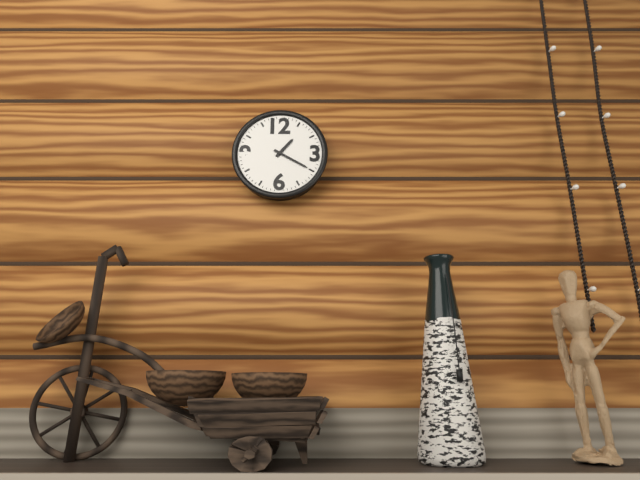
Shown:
1h20
